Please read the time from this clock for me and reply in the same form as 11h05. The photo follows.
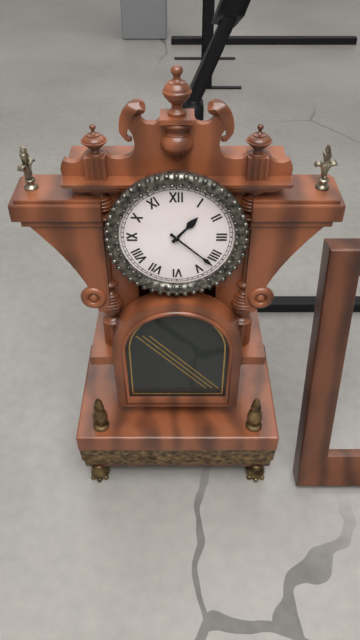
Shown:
1h22
